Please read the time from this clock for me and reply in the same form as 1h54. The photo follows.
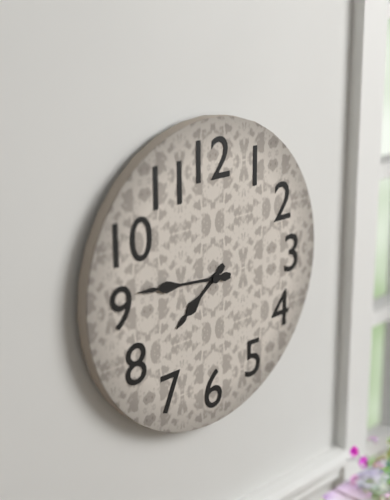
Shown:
7h46
